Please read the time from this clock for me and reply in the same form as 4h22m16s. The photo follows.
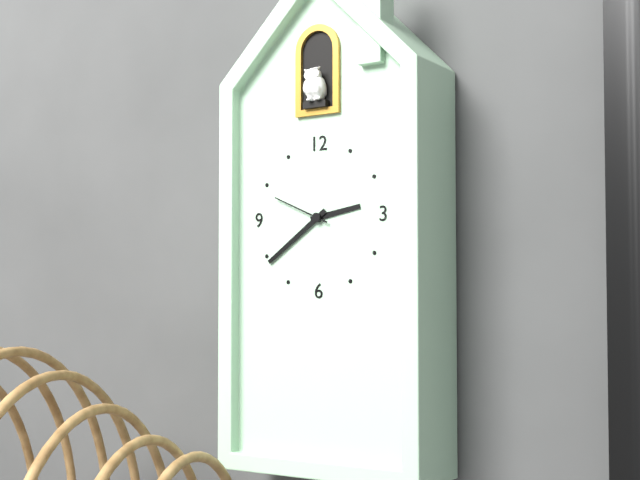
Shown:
2h39m49s
